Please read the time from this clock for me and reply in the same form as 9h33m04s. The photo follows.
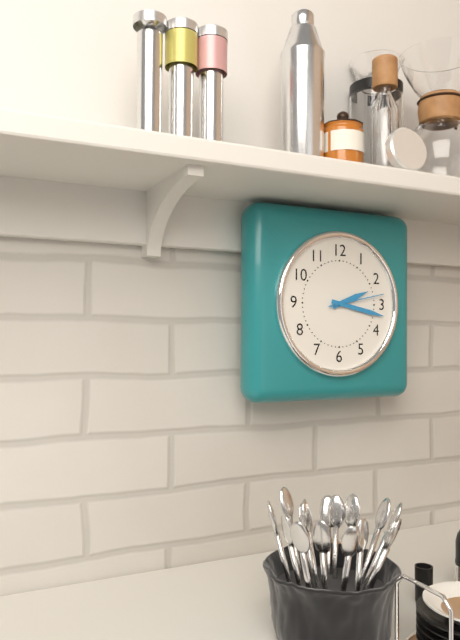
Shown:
2h17m13s
